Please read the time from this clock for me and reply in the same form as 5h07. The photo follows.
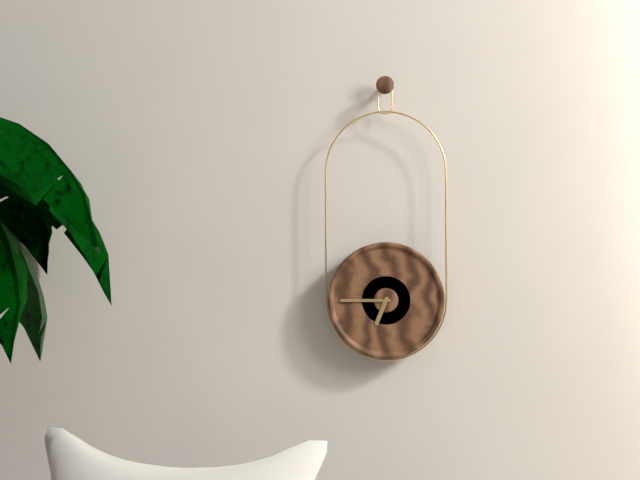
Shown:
6h45
